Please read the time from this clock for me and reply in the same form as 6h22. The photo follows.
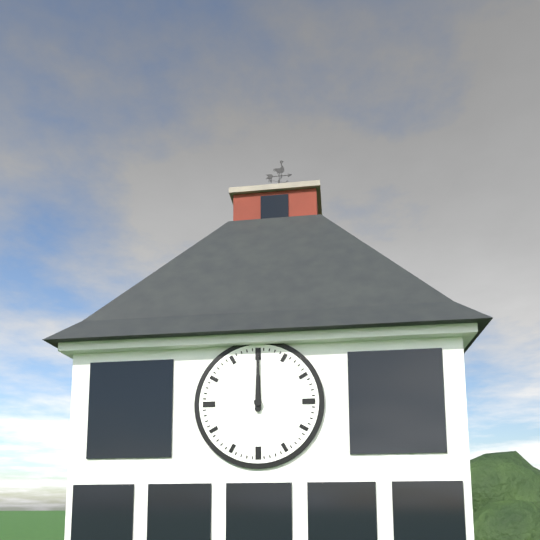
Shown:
12h00
